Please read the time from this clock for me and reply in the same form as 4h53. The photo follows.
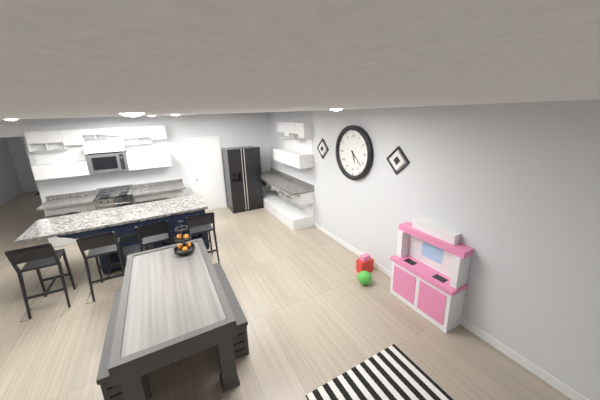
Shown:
5h22
